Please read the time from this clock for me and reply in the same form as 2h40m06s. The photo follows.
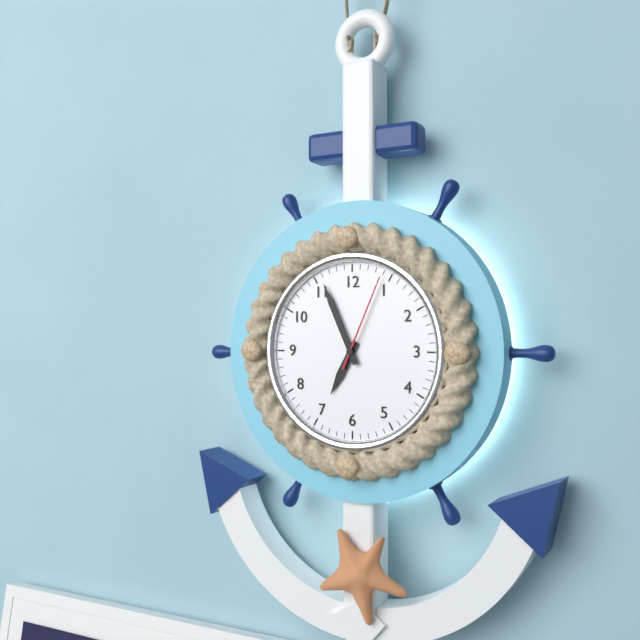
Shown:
6h56m04s
